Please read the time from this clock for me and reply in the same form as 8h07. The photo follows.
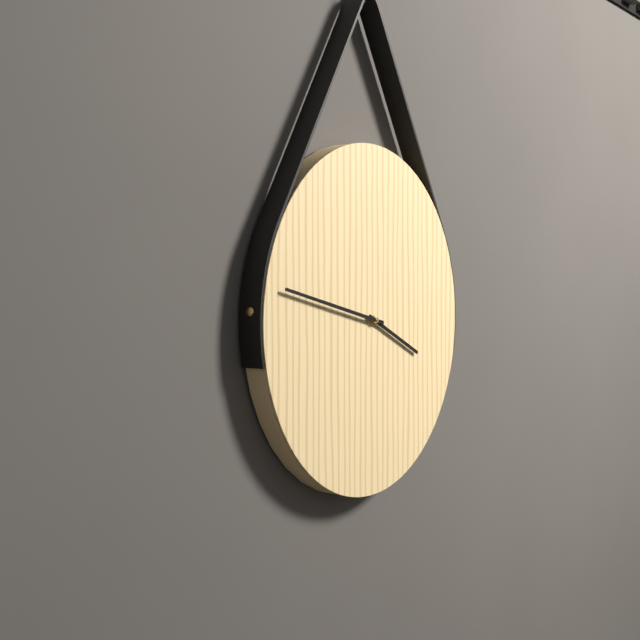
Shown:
3h47
